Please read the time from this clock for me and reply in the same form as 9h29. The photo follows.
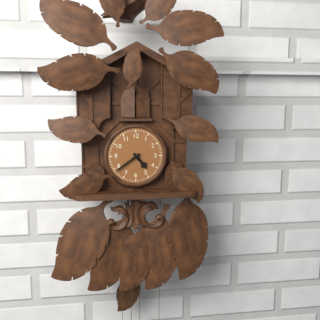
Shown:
4h39
